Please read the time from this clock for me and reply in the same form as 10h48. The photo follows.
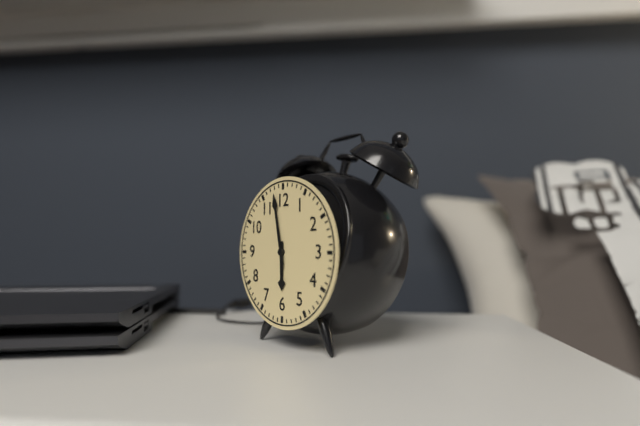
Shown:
5h58
